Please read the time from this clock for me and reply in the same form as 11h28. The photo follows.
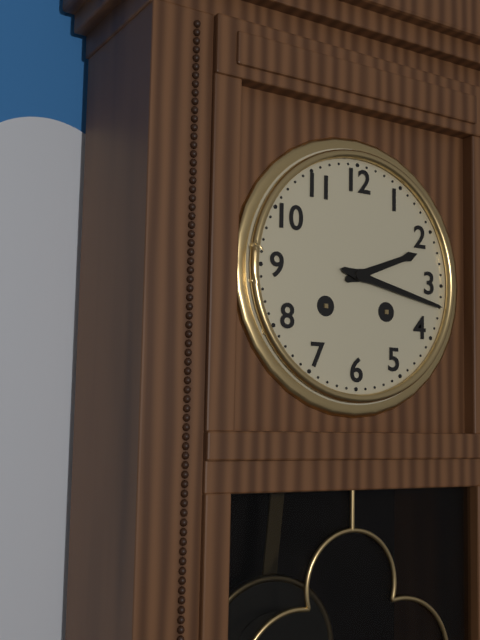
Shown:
2h17
